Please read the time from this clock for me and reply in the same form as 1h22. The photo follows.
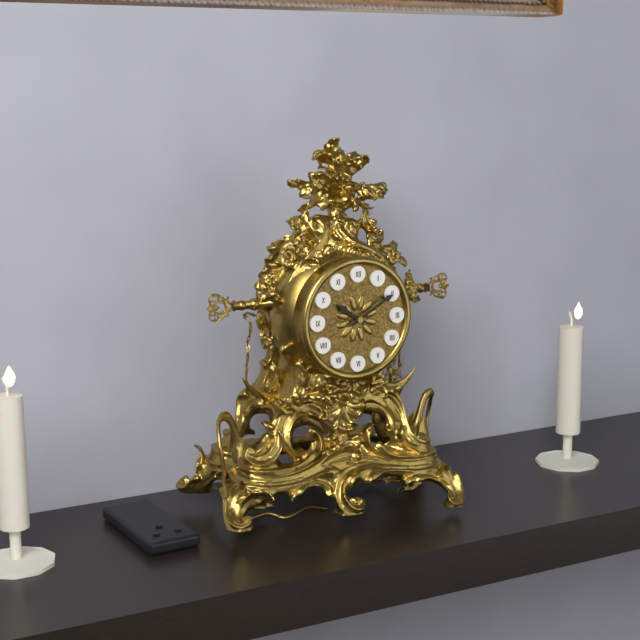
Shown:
10h10
